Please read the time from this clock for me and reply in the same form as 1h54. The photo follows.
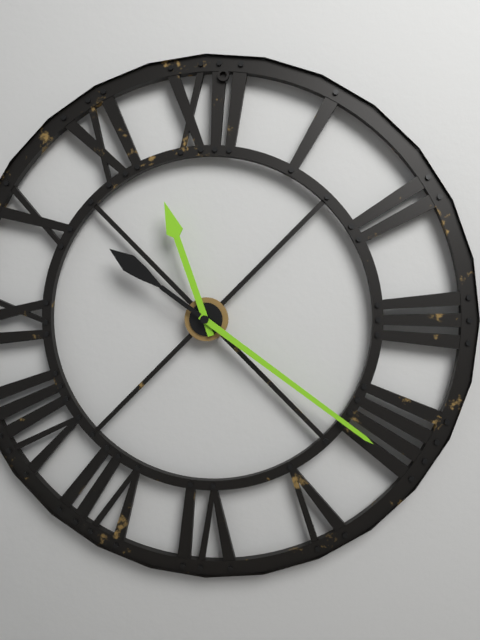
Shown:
11h21
